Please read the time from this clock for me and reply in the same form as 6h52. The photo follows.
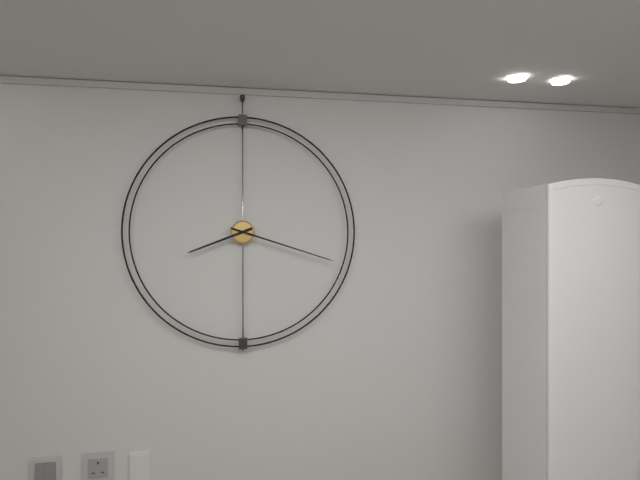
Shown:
8h18
